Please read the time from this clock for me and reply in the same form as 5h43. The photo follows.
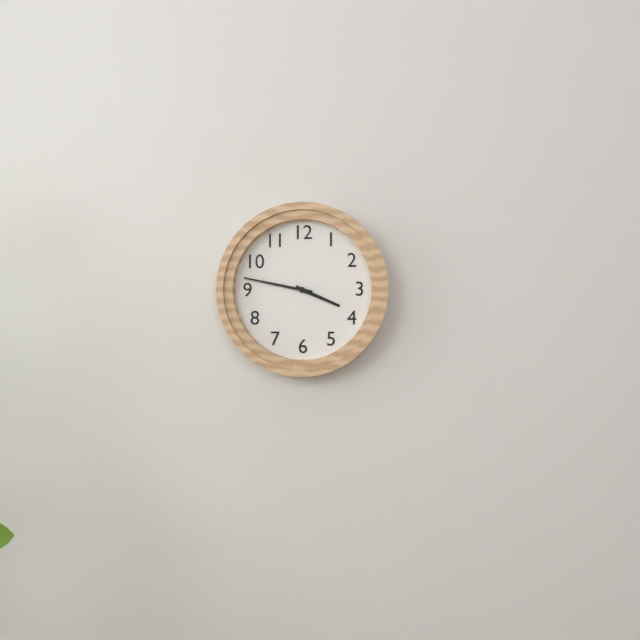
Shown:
3h47
